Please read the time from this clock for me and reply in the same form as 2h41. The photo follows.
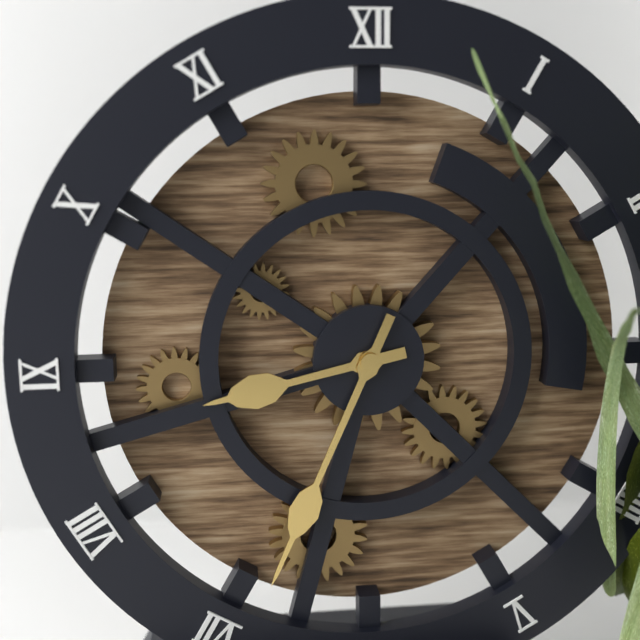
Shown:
8h34
